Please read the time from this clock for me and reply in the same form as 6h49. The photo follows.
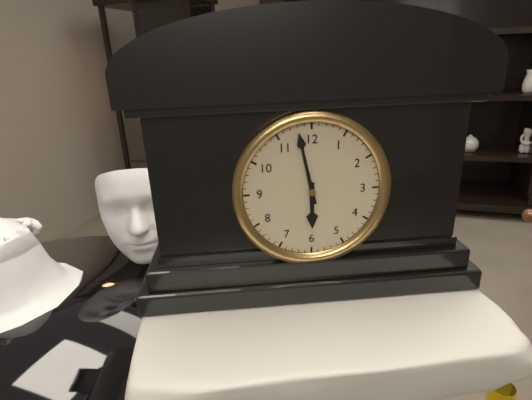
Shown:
5h58
